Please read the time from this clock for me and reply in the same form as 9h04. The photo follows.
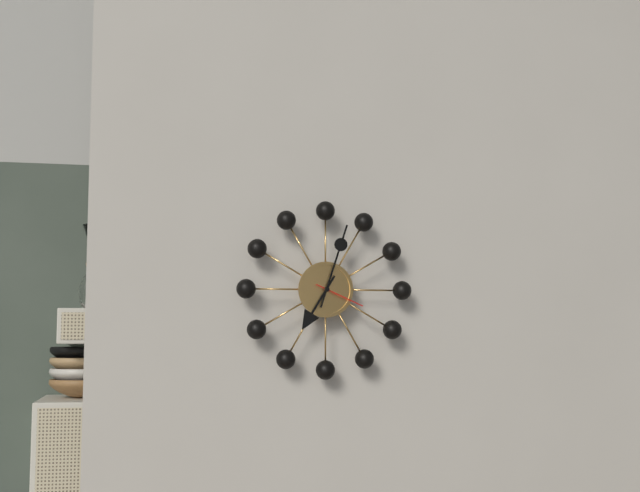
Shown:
7h03
